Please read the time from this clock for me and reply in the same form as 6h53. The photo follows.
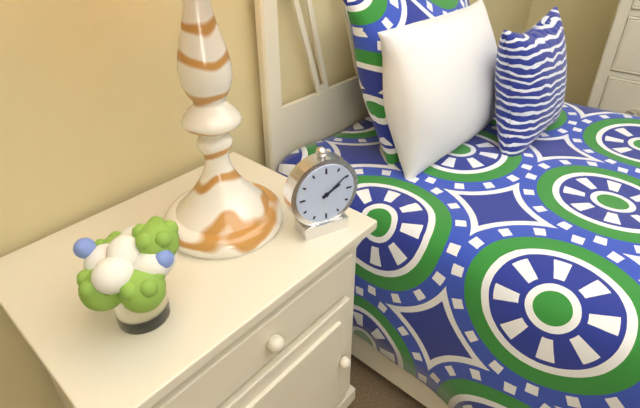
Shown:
2h09
